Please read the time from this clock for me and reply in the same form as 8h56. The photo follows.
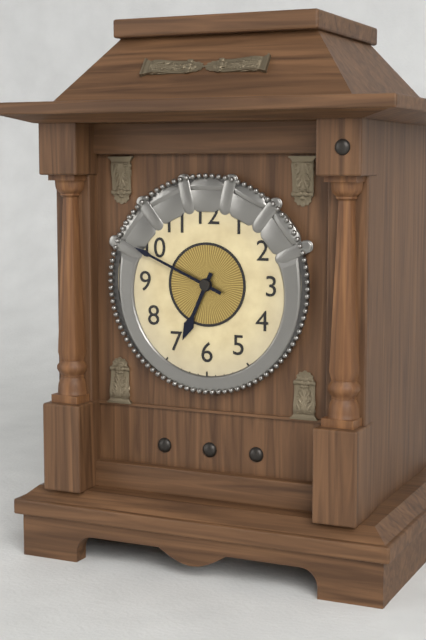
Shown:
6h49
